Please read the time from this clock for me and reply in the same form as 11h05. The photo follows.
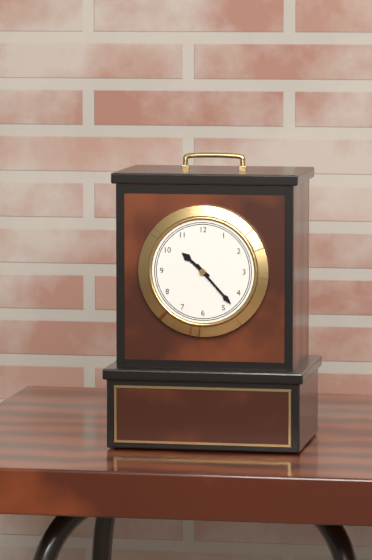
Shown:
10h23
